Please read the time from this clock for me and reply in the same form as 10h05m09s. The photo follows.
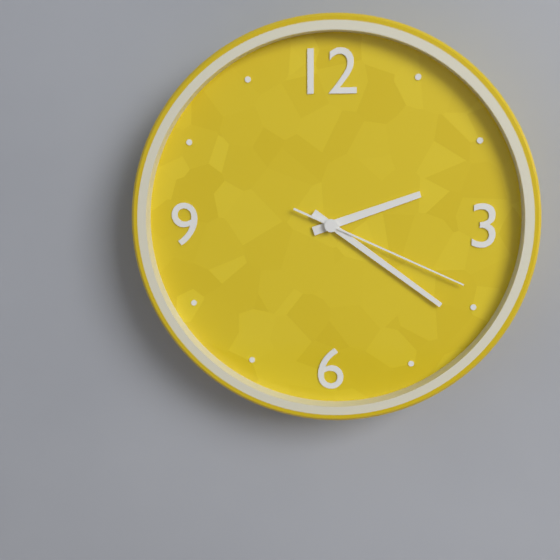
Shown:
2h21m19s
